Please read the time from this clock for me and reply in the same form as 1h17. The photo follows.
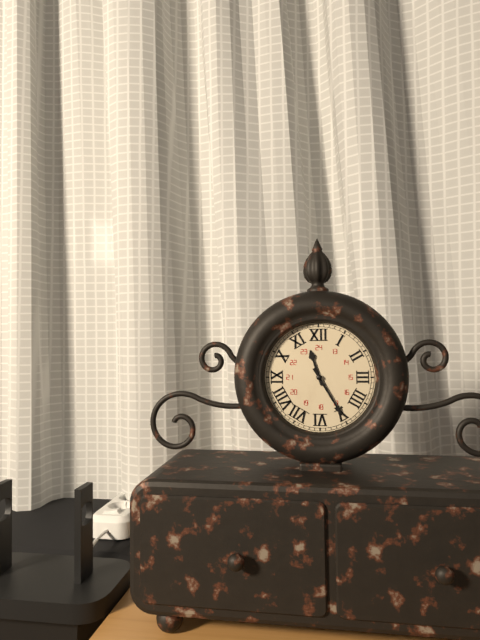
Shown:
11h25
